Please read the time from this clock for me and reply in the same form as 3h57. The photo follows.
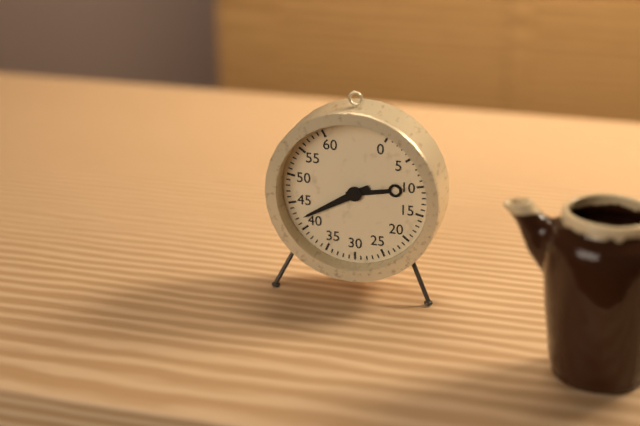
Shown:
2h40
